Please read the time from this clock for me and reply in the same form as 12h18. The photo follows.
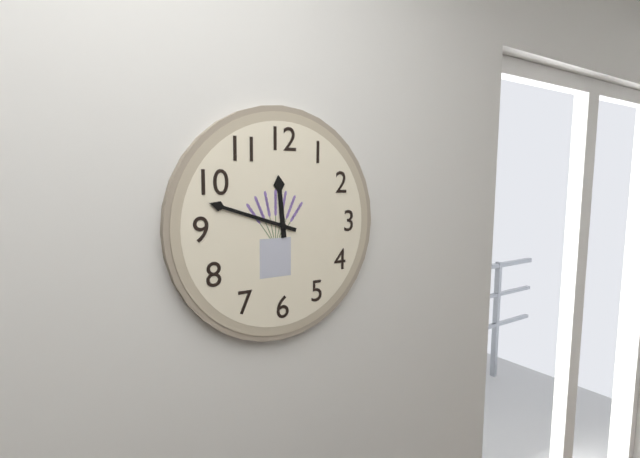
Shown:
11h48
